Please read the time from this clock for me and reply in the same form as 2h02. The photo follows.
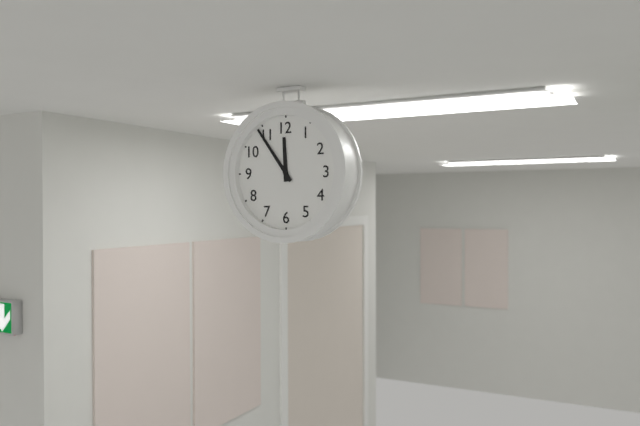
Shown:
11h54
